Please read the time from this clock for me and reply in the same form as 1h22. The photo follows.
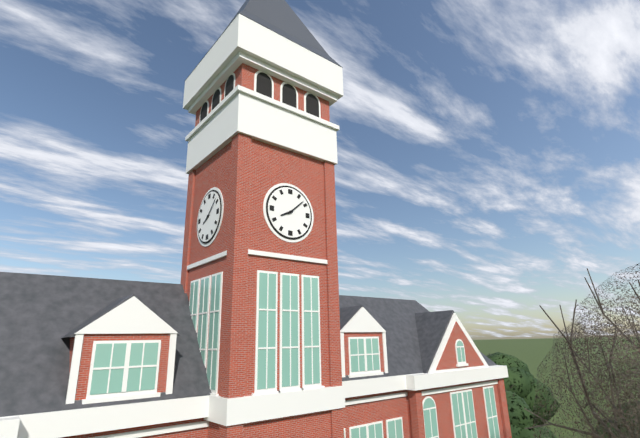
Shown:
8h08
